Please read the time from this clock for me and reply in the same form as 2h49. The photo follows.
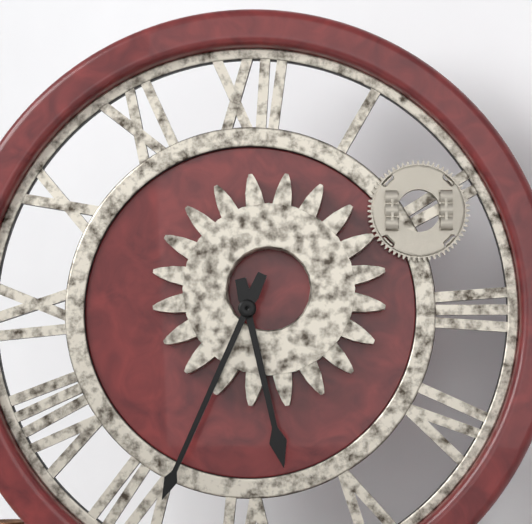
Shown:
5h34
